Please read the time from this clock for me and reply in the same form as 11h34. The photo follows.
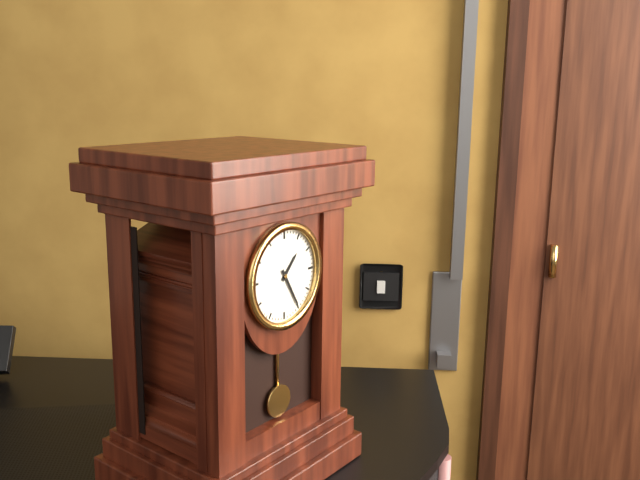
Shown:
1h25
